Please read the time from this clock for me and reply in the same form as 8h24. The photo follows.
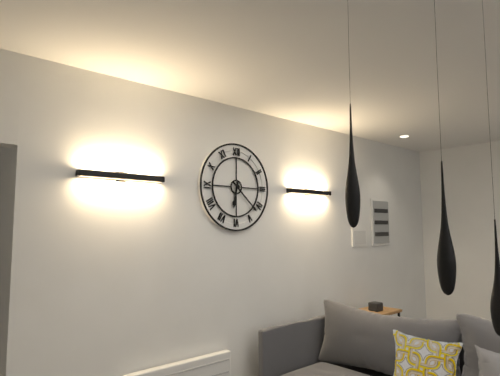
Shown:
6h22
